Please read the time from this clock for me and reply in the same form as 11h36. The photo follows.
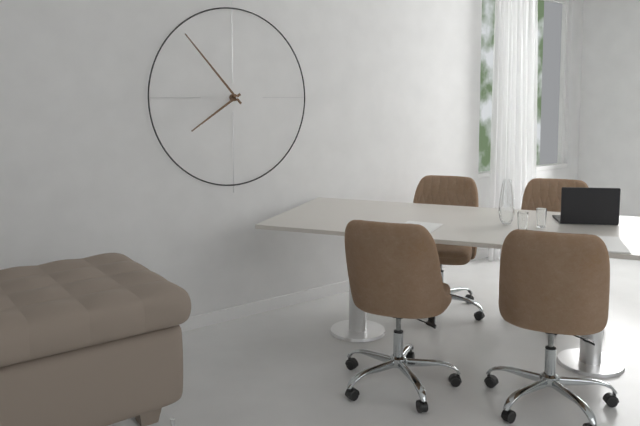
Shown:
7h53
